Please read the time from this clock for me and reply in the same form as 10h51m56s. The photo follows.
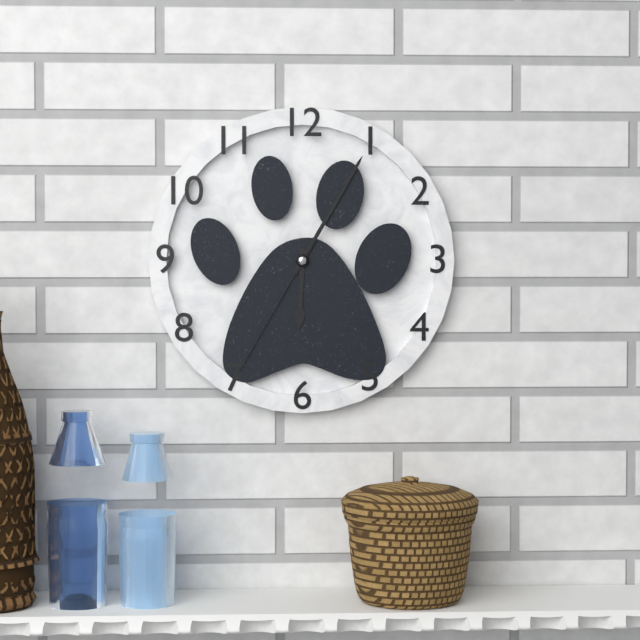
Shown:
6h05m35s
